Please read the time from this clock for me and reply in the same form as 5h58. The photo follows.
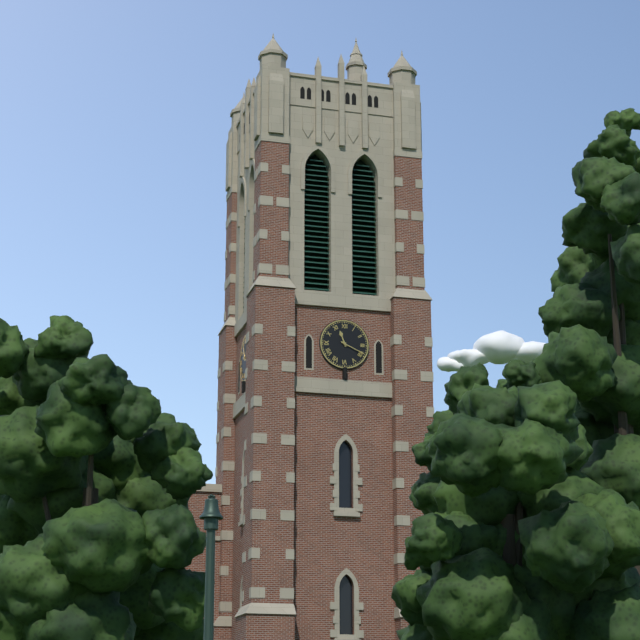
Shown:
11h19
